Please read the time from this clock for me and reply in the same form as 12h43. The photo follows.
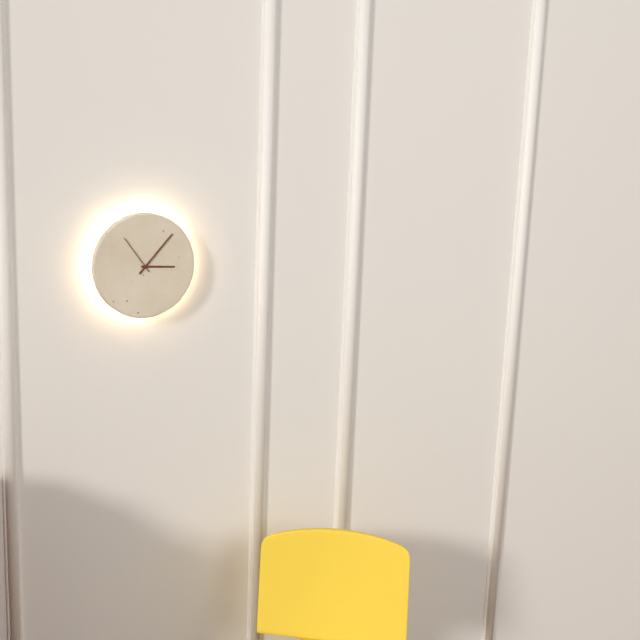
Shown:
3h07
